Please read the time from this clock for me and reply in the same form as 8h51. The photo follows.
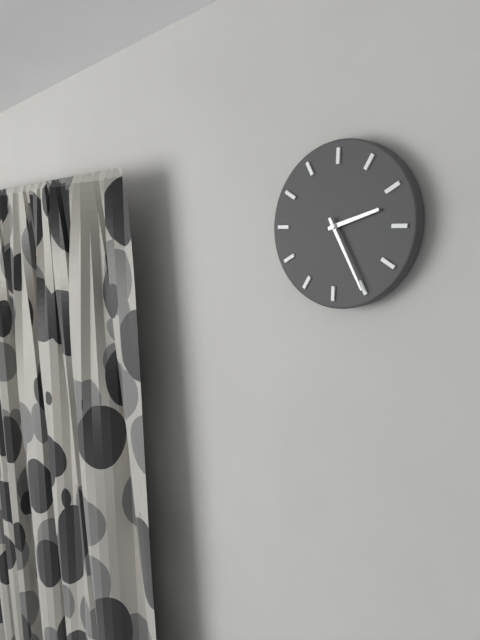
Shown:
2h25
